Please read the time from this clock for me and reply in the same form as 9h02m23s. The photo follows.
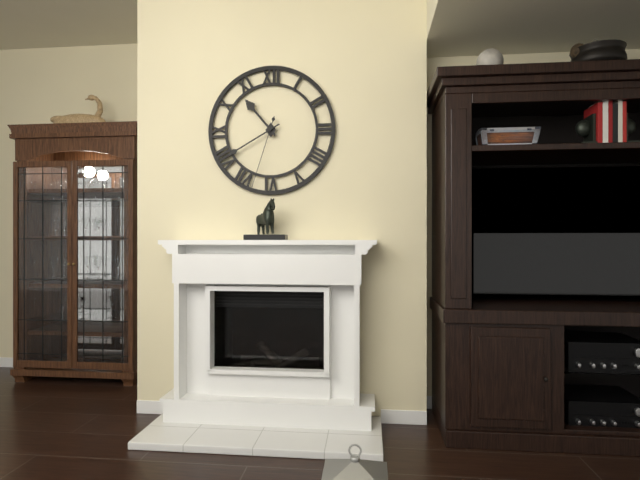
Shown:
10h40m33s
